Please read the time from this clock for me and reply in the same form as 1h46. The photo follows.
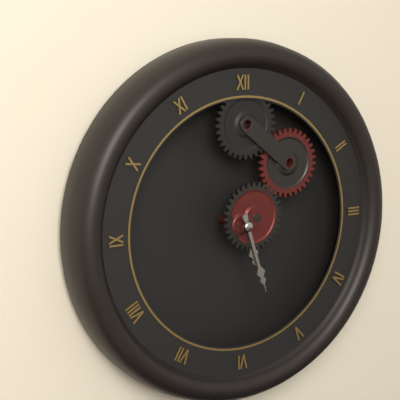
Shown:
5h27
